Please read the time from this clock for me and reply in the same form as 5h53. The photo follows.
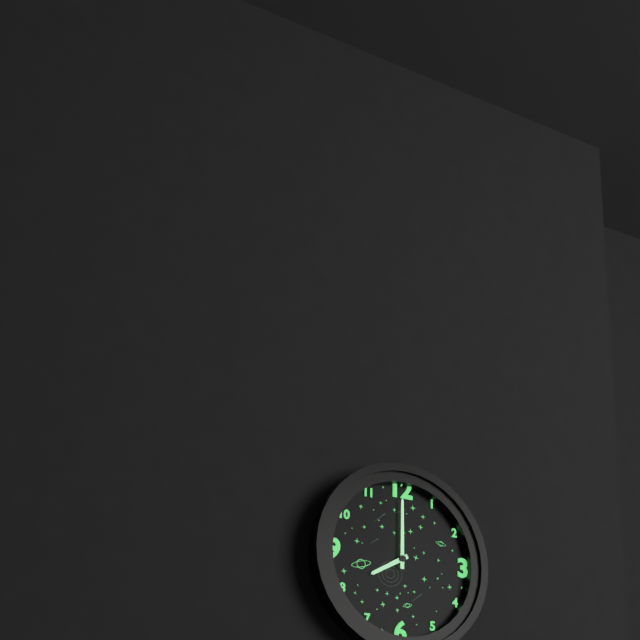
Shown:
8h00
